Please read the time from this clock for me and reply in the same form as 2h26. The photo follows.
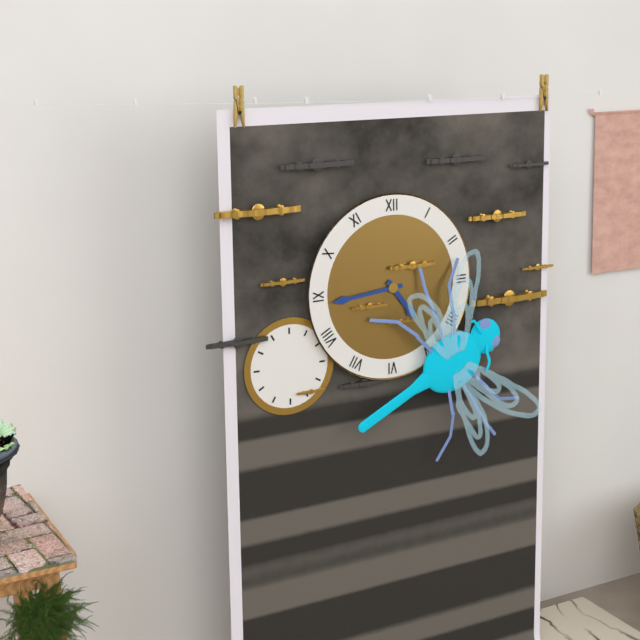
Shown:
4h44
